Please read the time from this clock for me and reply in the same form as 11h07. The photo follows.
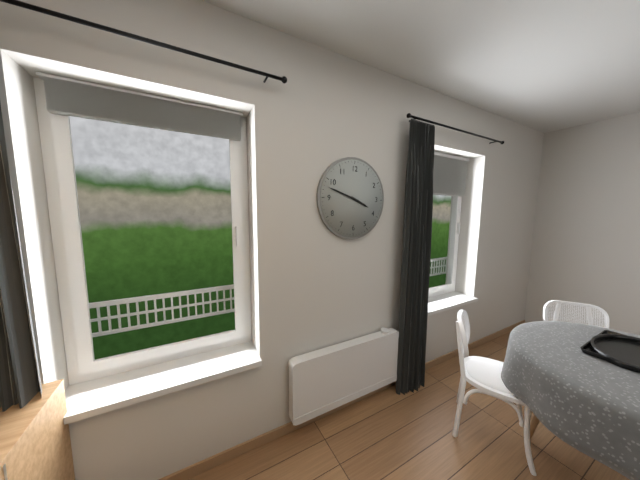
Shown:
3h48
